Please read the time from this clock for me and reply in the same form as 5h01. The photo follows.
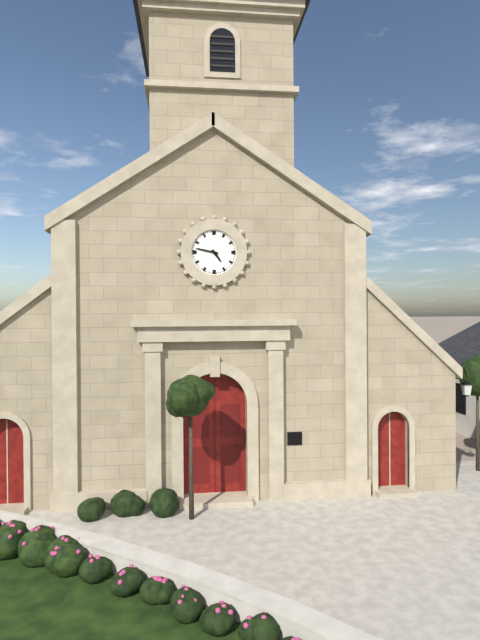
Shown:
4h47
